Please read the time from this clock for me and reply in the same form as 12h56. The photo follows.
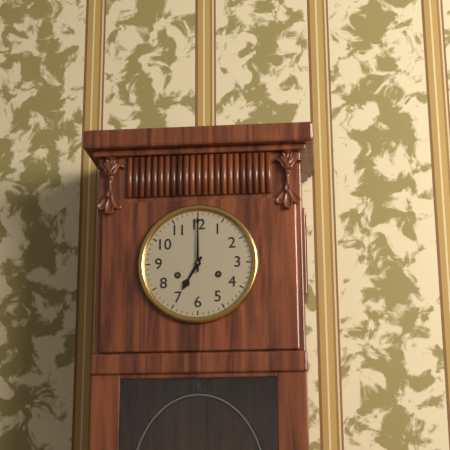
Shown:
7h00
